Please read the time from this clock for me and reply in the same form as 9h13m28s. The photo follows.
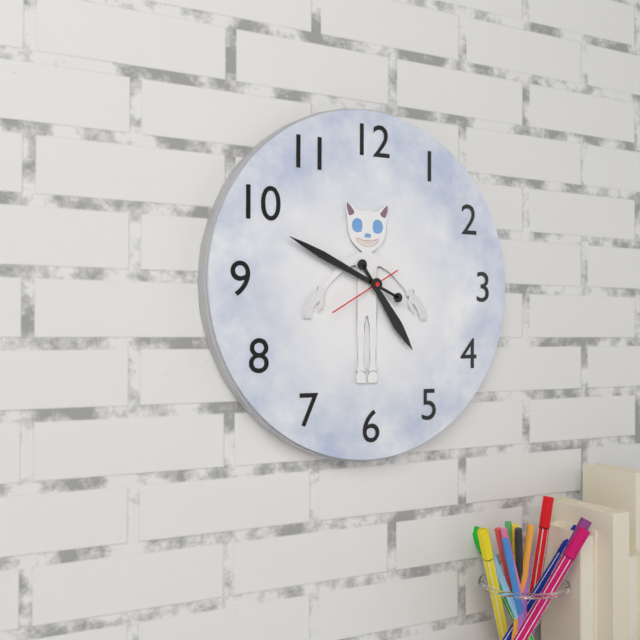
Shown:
4h49m40s
